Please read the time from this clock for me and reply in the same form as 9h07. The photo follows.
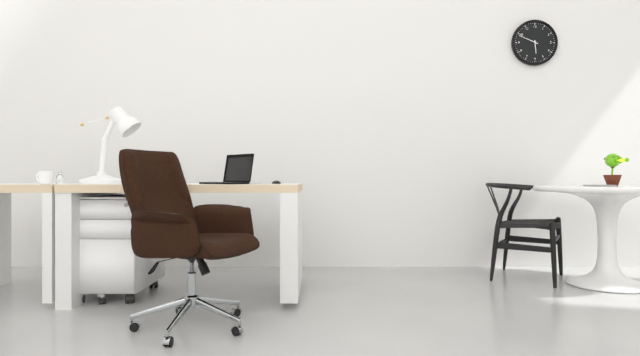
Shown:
5h49
